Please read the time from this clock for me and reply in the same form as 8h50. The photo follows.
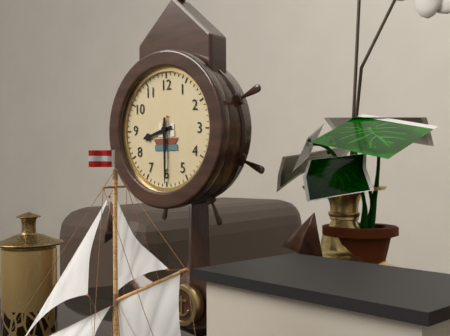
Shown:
8h30
